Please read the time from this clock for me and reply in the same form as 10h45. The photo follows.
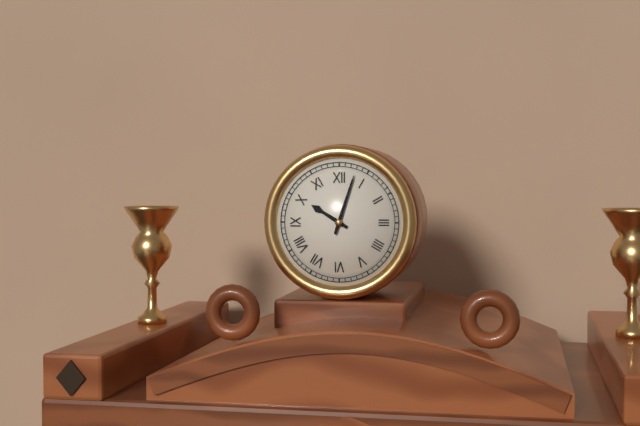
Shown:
10h03
